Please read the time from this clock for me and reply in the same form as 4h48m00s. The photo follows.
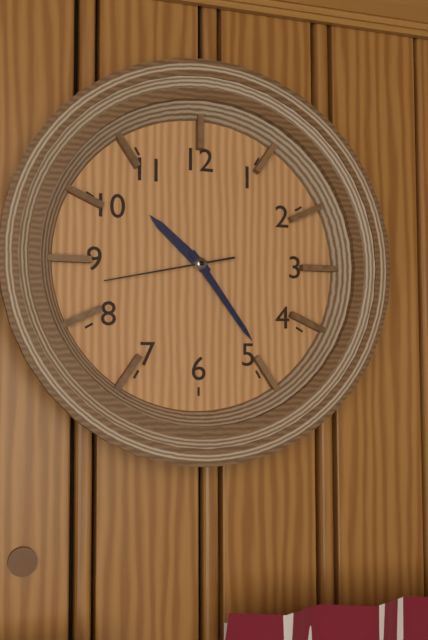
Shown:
10h24m43s
